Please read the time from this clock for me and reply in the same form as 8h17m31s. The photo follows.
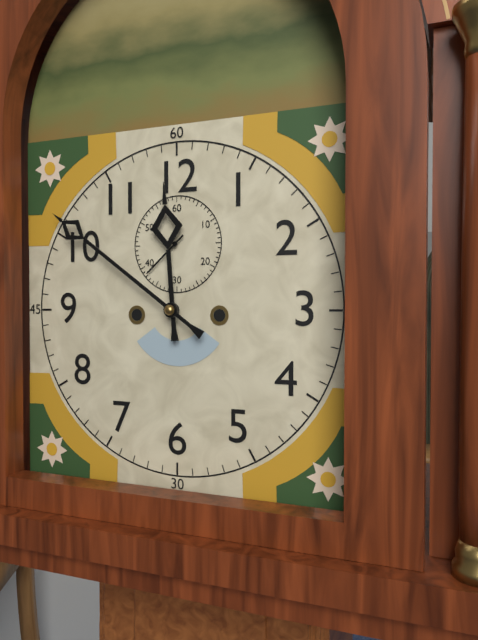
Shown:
11h51m38s
